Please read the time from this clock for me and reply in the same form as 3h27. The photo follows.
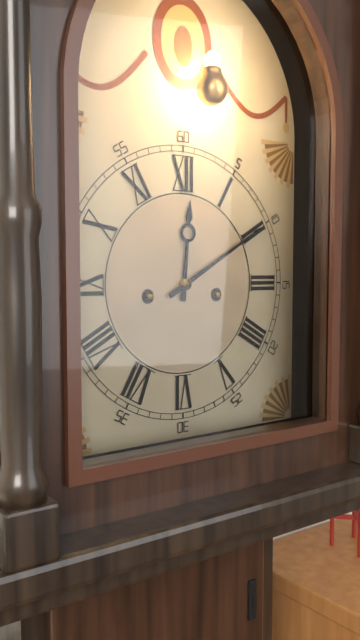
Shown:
12h10
